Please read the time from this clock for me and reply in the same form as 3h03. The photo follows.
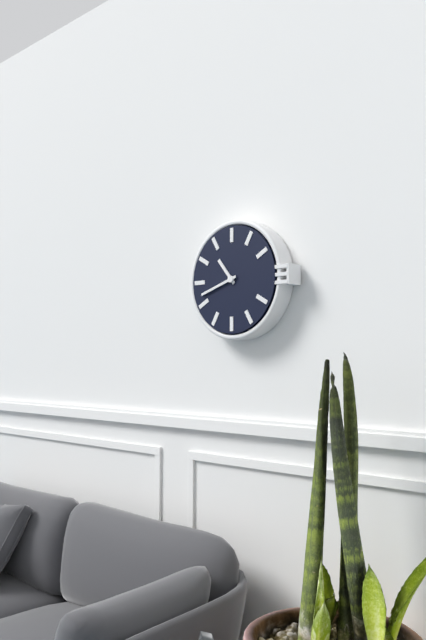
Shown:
10h42
